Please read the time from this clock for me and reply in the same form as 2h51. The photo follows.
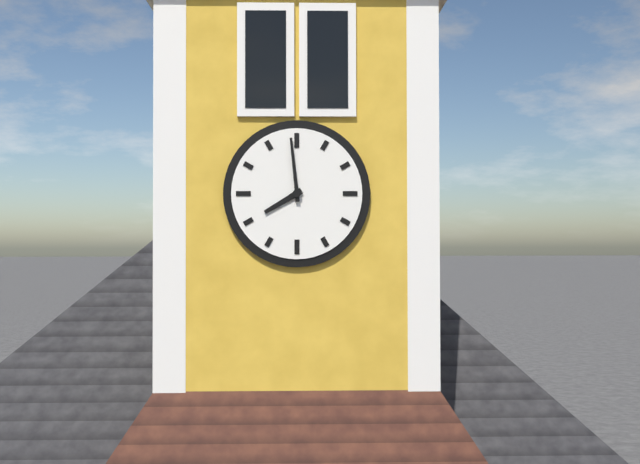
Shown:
7h59
